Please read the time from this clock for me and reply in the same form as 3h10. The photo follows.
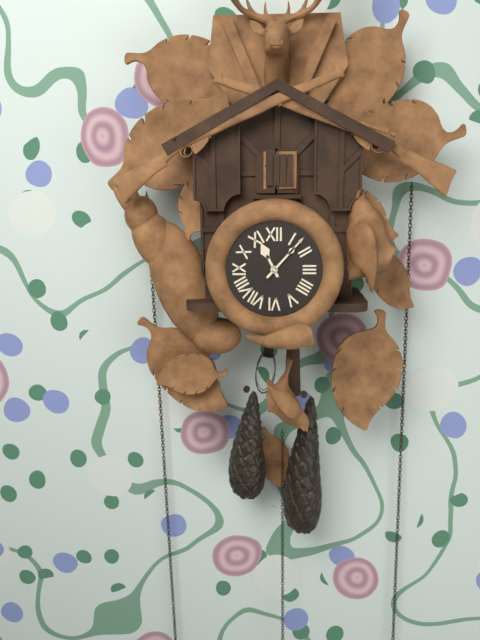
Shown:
11h07
